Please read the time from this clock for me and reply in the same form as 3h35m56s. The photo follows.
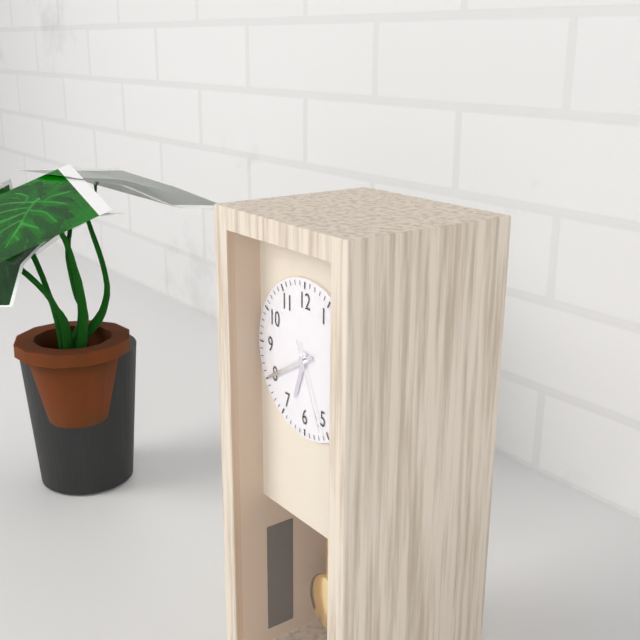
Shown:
6h40m26s
